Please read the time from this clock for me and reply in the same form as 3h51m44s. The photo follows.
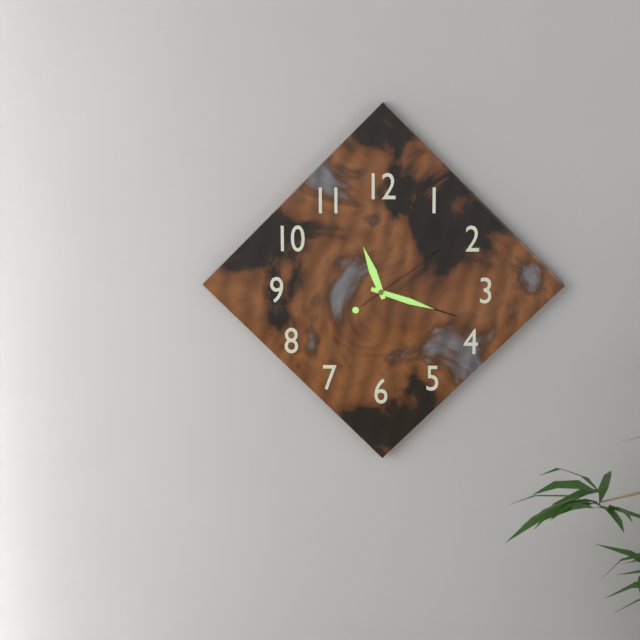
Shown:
11h18m09s
